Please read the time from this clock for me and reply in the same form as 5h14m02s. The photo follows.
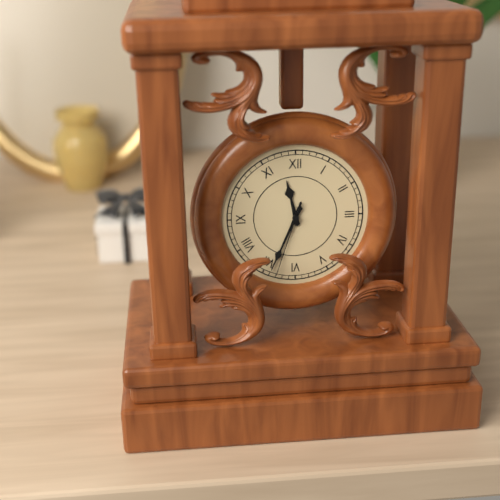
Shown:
11h34m33s
